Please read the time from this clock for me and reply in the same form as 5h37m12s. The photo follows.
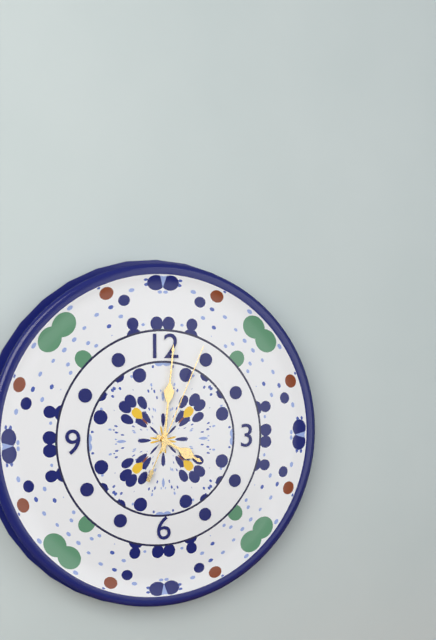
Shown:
4h01m04s
